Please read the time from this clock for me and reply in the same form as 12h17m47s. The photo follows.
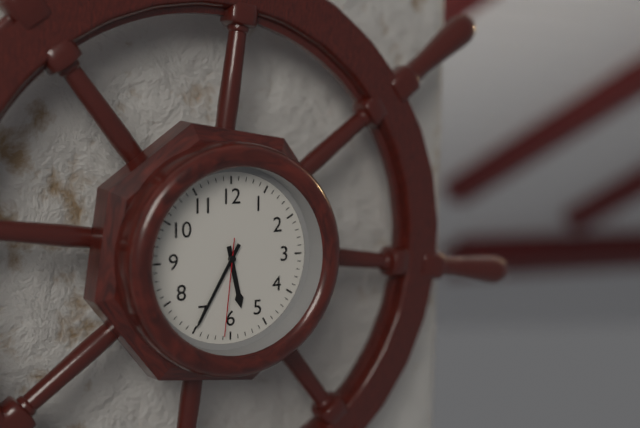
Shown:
5h35m31s
